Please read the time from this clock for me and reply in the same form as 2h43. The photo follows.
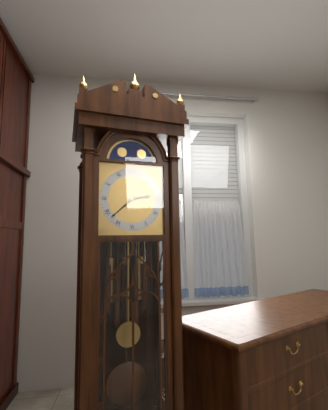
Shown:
2h38
